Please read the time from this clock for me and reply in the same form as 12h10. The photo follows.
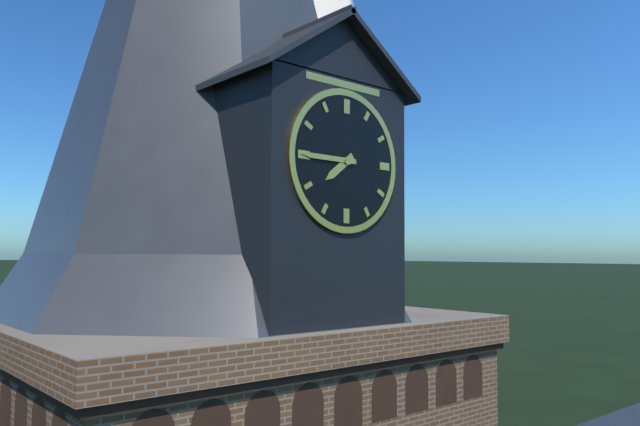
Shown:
7h45
